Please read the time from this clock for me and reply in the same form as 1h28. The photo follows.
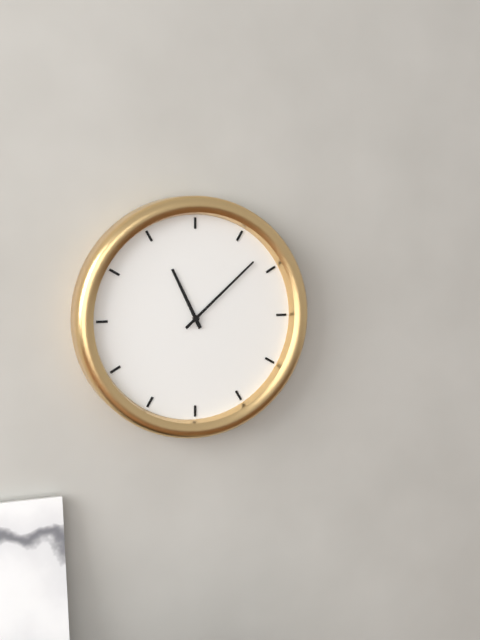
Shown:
11h08
